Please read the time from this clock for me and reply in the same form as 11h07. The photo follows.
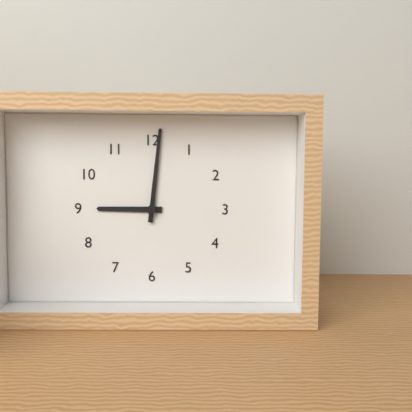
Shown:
9h01
